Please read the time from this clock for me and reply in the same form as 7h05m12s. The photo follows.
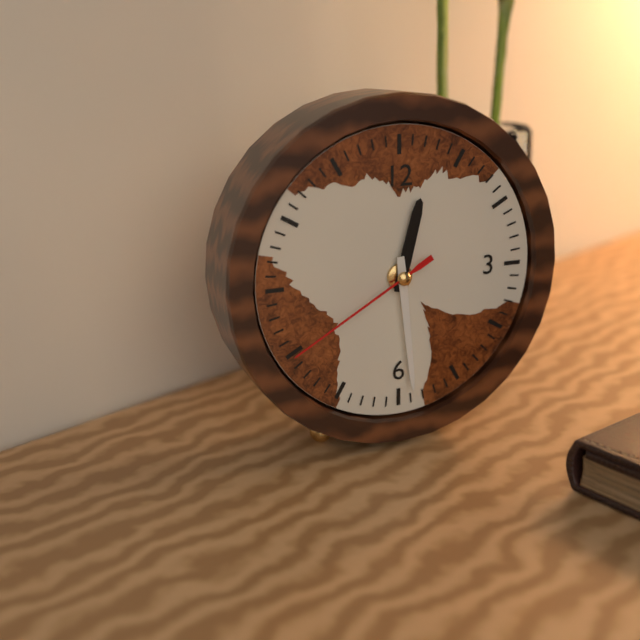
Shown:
12h29m40s
